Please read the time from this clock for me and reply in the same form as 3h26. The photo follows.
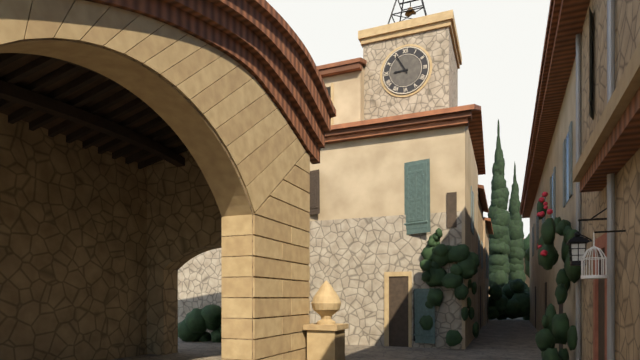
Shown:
8h55
